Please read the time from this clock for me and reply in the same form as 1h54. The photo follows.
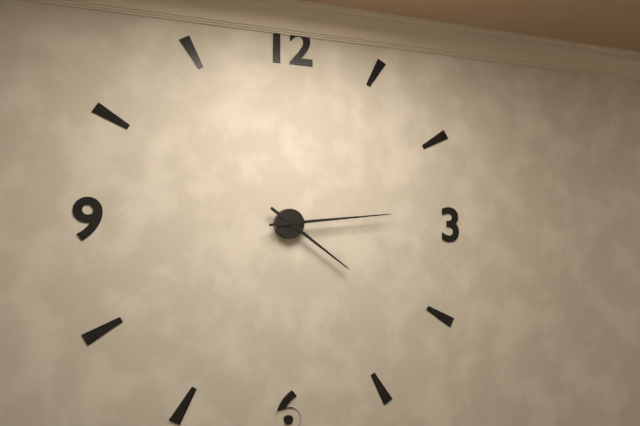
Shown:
4h14
